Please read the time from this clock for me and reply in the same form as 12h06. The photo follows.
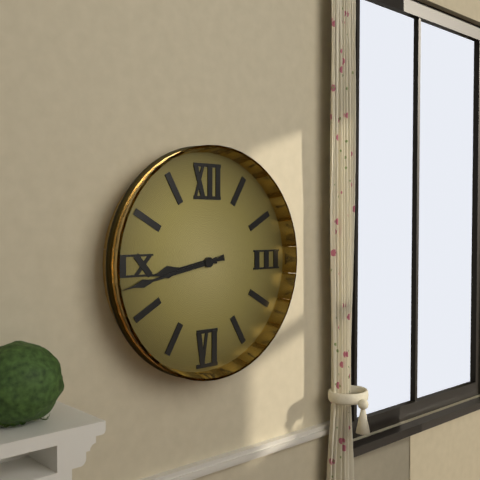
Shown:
8h43
